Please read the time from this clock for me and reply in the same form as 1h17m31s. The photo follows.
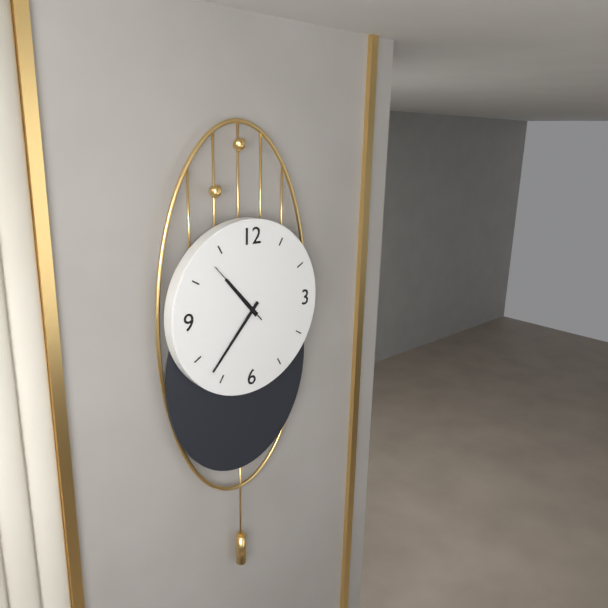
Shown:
10h37m53s
